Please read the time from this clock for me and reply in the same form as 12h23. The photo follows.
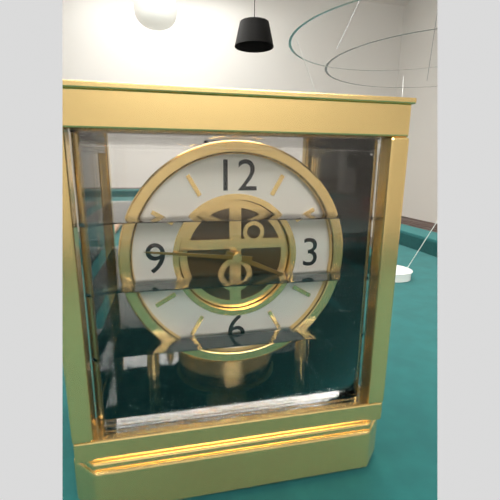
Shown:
3h46
